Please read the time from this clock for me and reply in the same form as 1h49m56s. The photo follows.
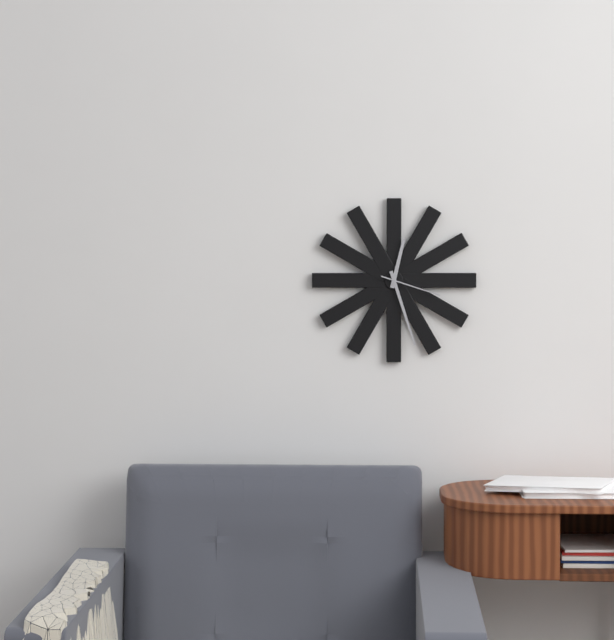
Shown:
12h27m18s
